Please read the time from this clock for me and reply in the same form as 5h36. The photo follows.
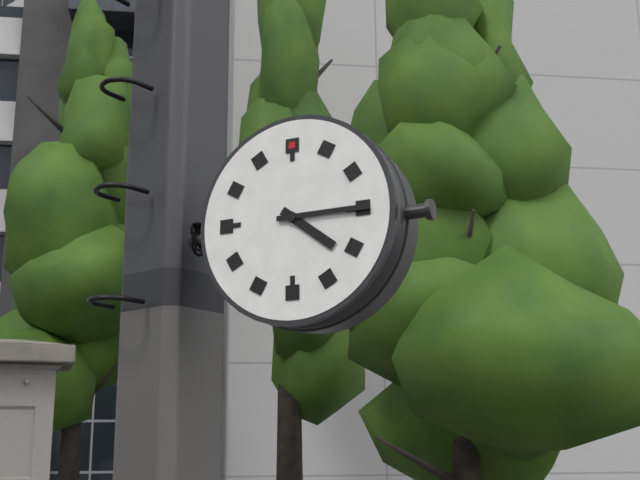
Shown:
4h15
